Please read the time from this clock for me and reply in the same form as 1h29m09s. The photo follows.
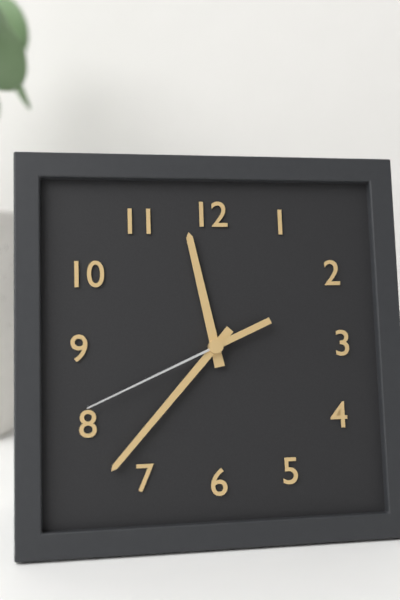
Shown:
11h37m41s
